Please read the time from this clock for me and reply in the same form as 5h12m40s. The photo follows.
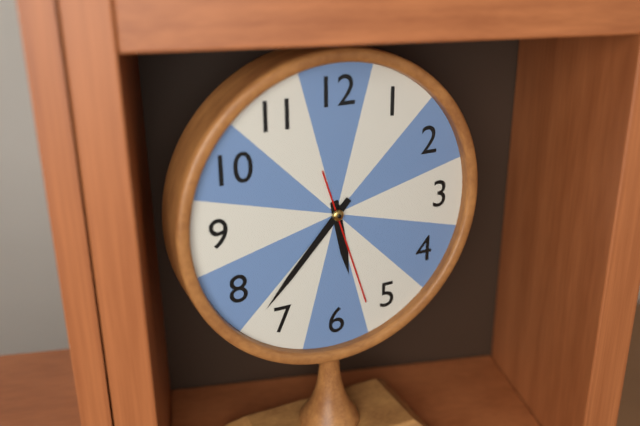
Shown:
5h37m27s
